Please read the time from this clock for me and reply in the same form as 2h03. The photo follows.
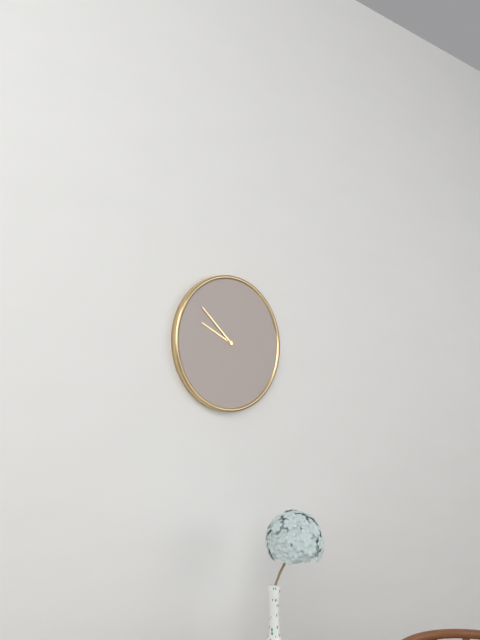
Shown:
9h52
